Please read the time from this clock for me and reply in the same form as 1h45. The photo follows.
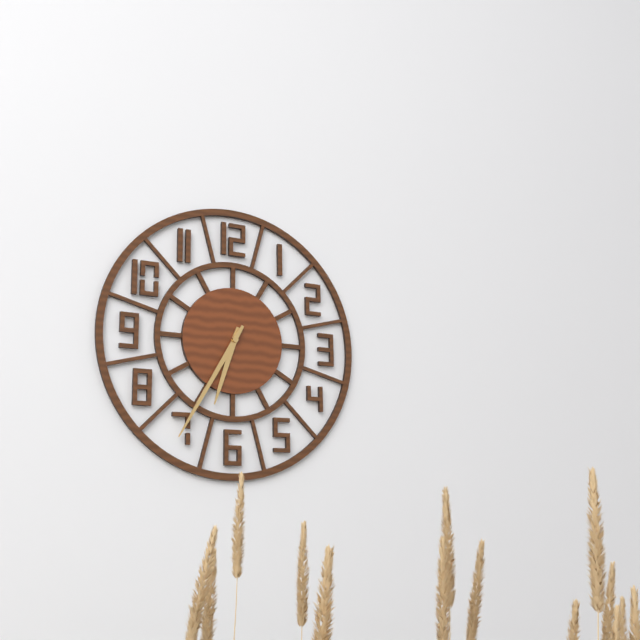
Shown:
6h35
